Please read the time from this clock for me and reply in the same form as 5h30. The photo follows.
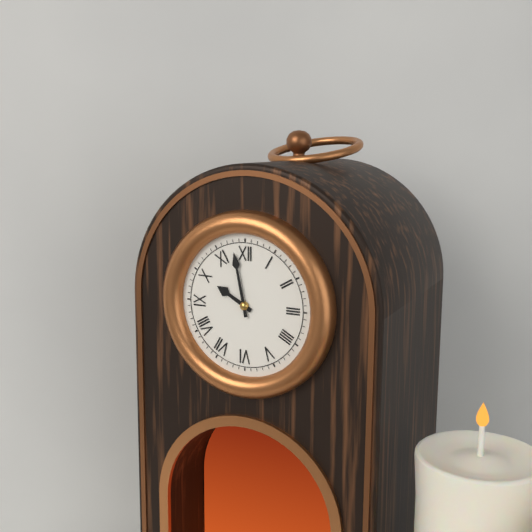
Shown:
9h58
